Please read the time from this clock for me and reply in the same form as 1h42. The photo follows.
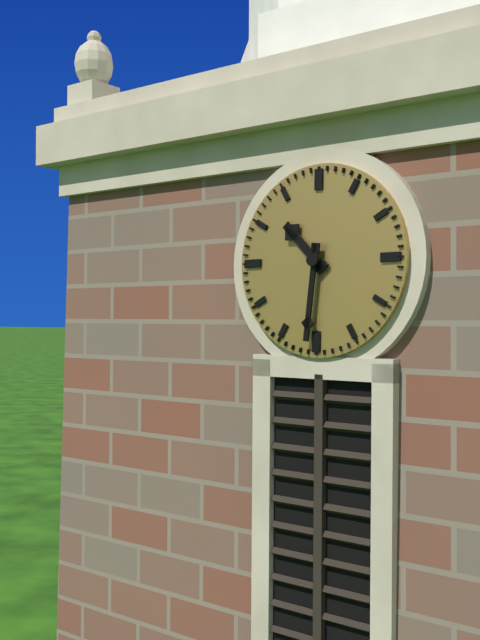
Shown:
10h31
